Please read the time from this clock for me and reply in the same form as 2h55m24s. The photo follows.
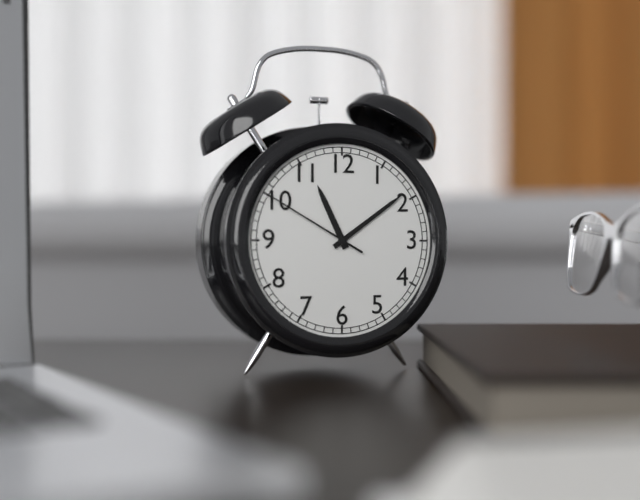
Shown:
11h09m50s
